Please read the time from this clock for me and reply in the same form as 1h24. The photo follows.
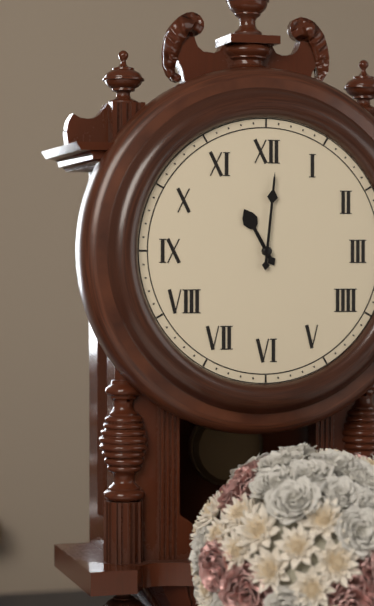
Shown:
11h01
